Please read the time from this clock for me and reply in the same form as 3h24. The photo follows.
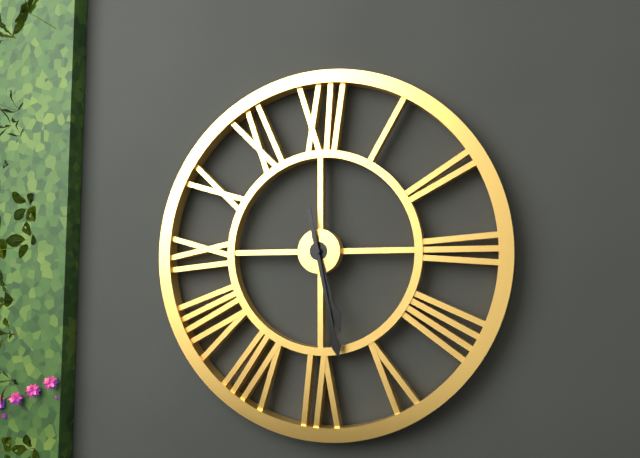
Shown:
5h28
